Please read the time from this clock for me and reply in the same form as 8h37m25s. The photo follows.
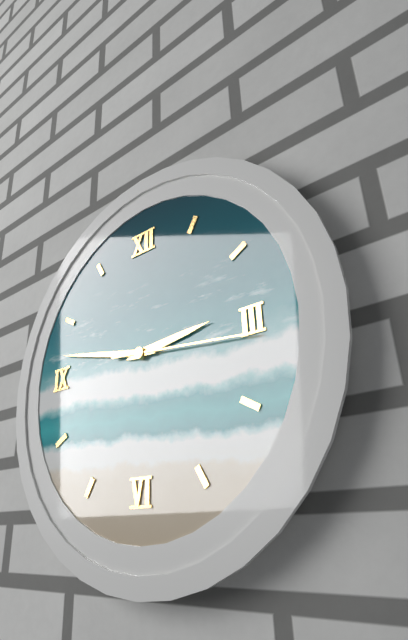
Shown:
2h47m16s
